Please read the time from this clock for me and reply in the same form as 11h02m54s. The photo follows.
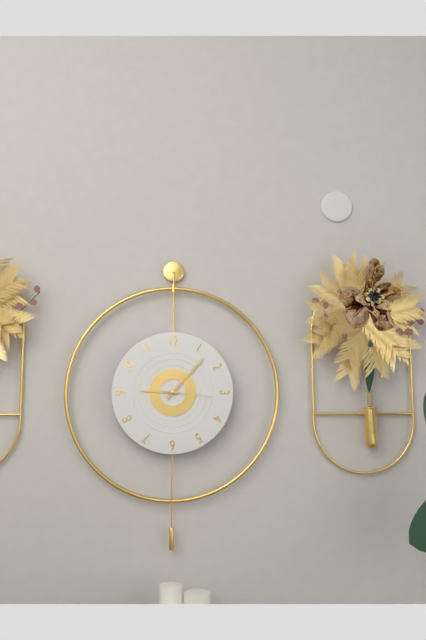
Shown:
9h07m16s
